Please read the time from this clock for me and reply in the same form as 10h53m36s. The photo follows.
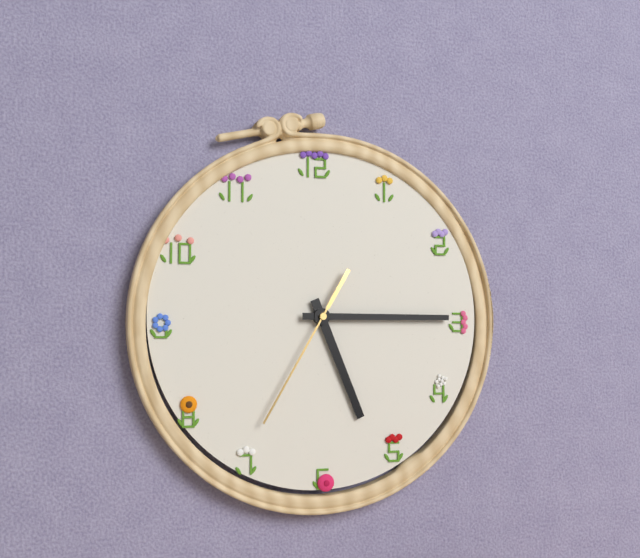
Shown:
5h15m35s
